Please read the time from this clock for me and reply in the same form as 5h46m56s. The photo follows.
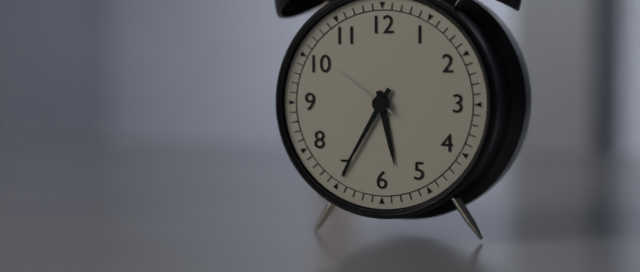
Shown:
5h35m51s
